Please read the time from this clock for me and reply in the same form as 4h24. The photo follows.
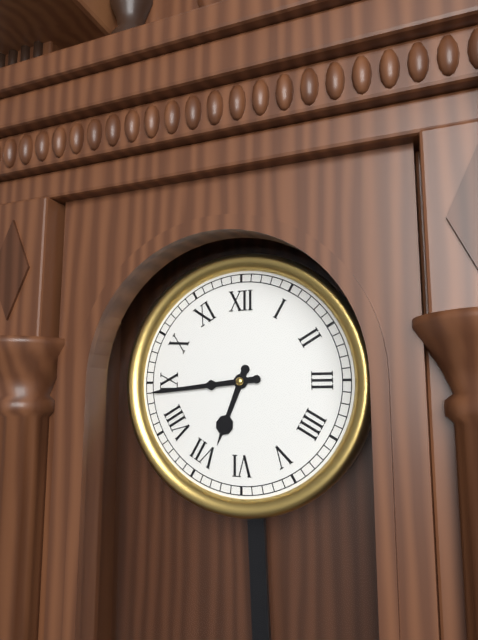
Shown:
6h44
